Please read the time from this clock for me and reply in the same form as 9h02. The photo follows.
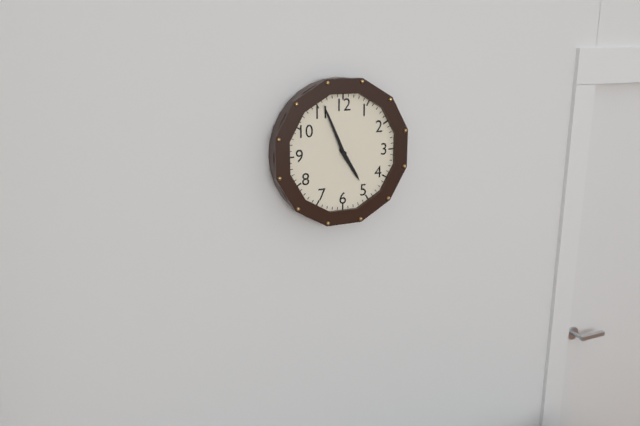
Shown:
4h56
